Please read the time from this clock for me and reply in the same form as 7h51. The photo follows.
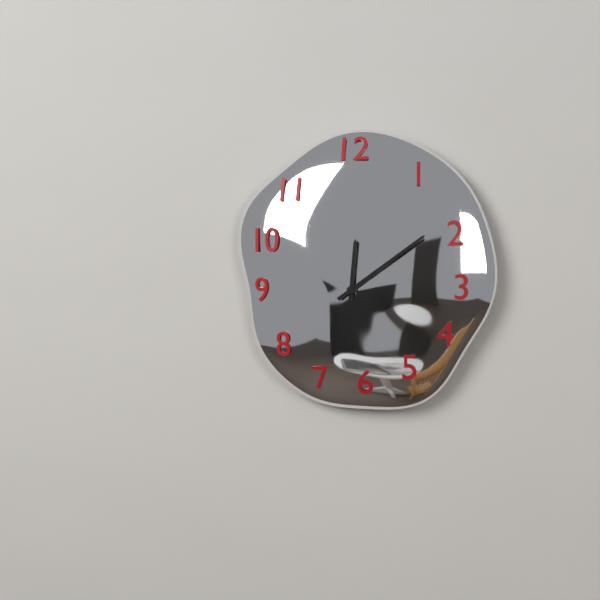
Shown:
12h09
